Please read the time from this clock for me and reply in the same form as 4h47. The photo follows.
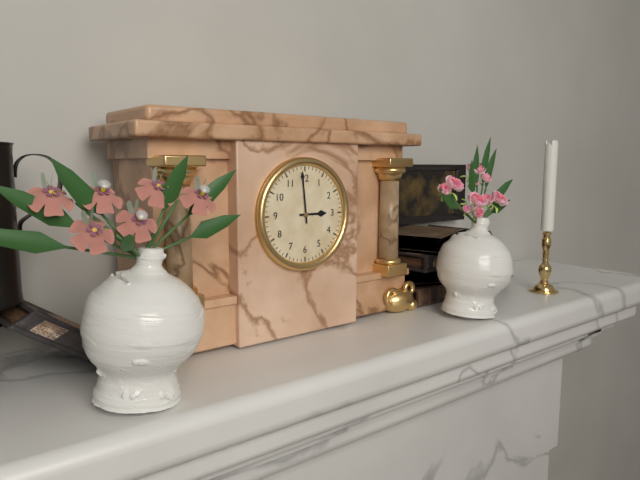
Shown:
2h59
